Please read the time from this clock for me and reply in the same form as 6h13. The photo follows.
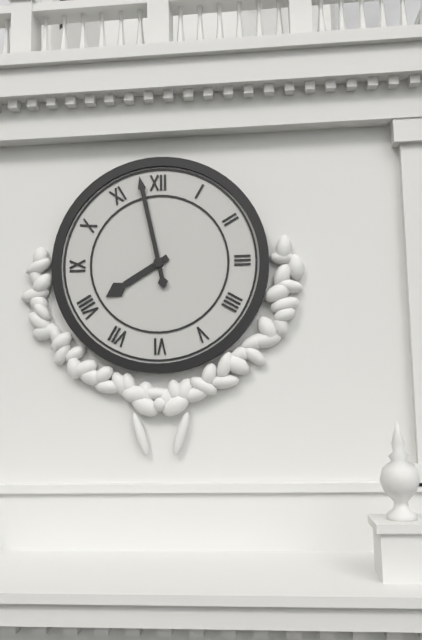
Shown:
7h58
